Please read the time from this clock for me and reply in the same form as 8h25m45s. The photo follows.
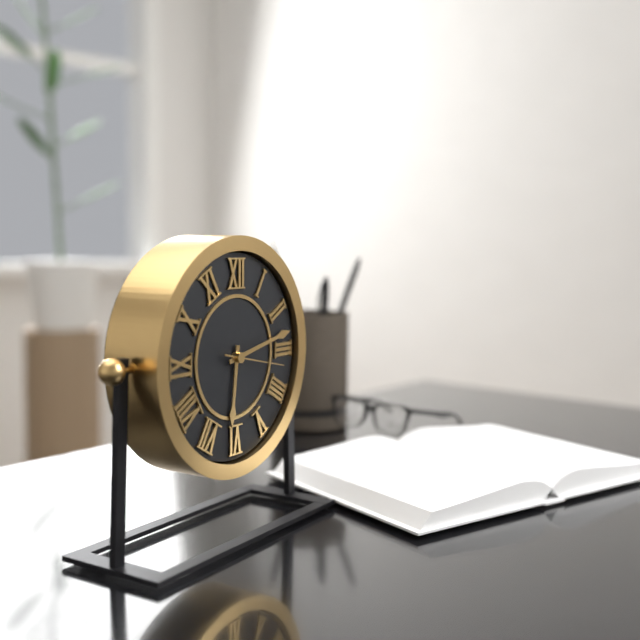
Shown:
6h13m17s
